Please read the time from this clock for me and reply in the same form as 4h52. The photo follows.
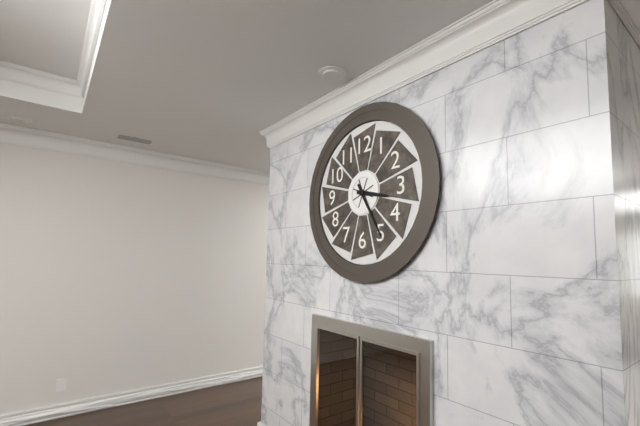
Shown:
3h25
